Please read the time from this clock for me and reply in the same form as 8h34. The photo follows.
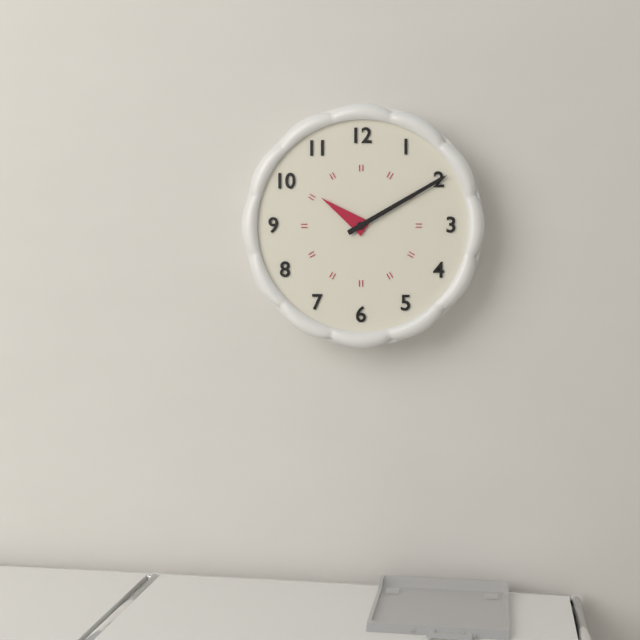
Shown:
10h10
